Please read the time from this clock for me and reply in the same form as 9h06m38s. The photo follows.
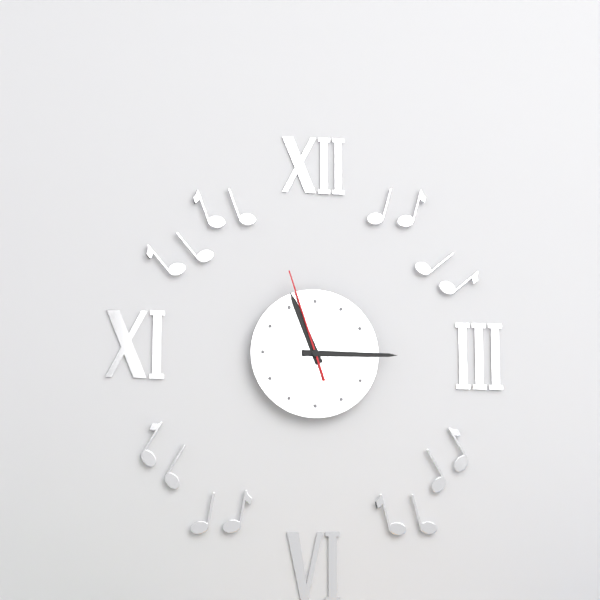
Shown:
11h15m57s
